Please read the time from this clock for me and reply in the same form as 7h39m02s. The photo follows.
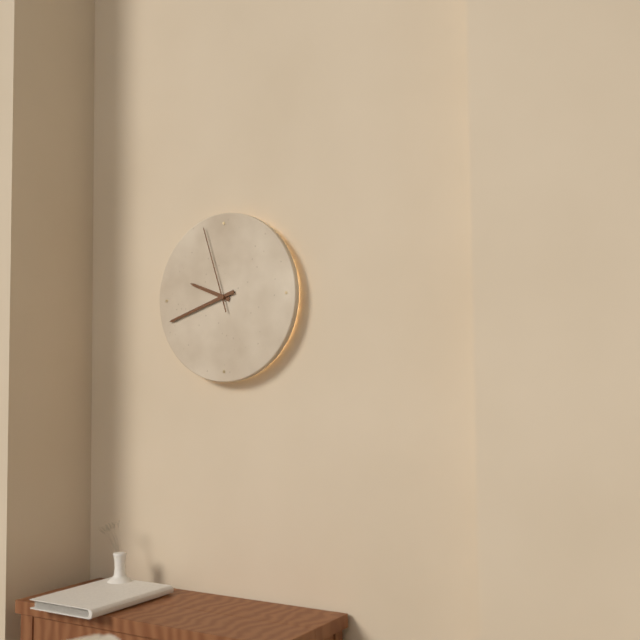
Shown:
9h42m57s
